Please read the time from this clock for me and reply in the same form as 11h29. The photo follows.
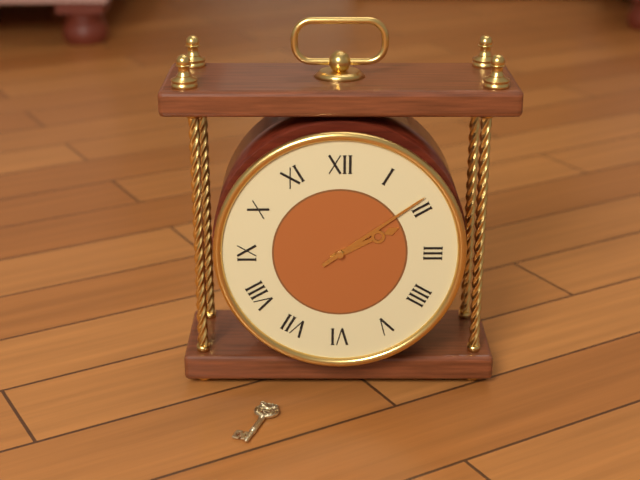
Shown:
2h09
